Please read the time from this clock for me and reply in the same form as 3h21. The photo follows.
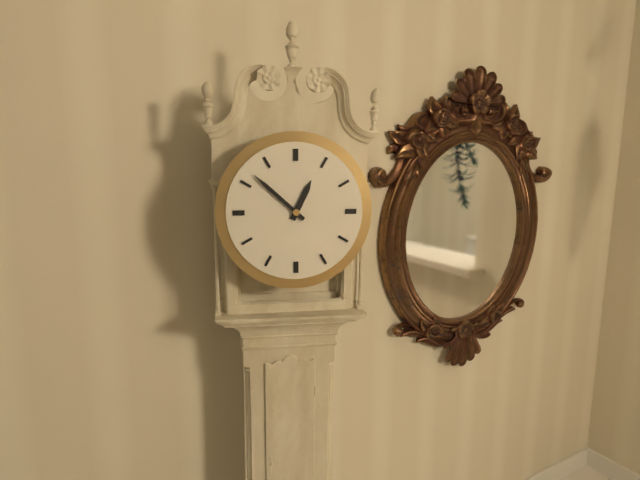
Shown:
12h52
